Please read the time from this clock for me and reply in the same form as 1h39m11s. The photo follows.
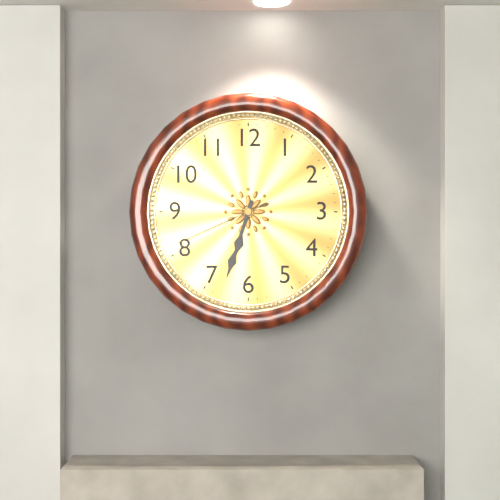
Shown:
6h33m41s
